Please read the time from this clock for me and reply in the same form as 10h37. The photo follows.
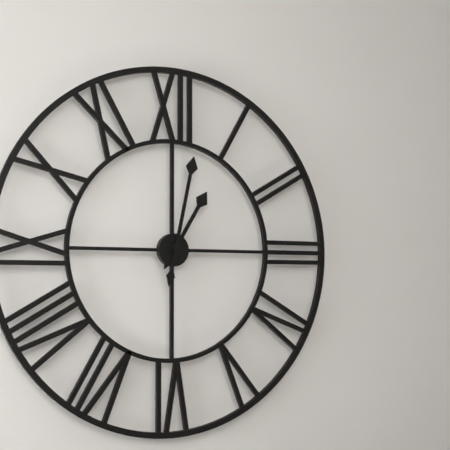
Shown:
1h02
